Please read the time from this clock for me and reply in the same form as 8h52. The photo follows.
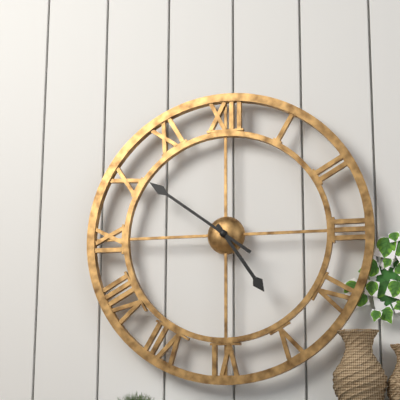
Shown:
4h51
